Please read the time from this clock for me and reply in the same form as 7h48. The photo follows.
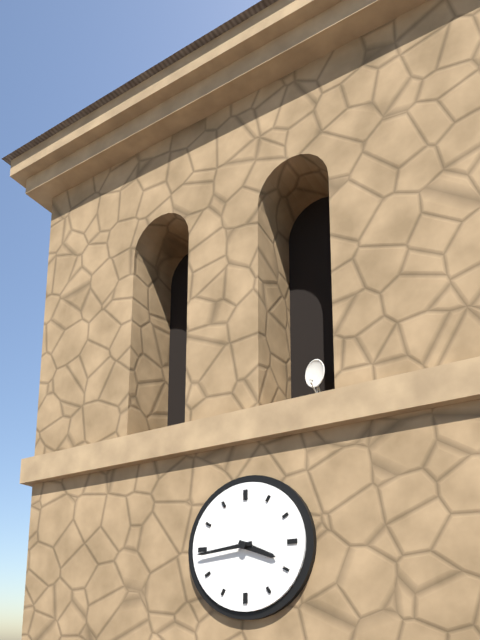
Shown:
3h44
